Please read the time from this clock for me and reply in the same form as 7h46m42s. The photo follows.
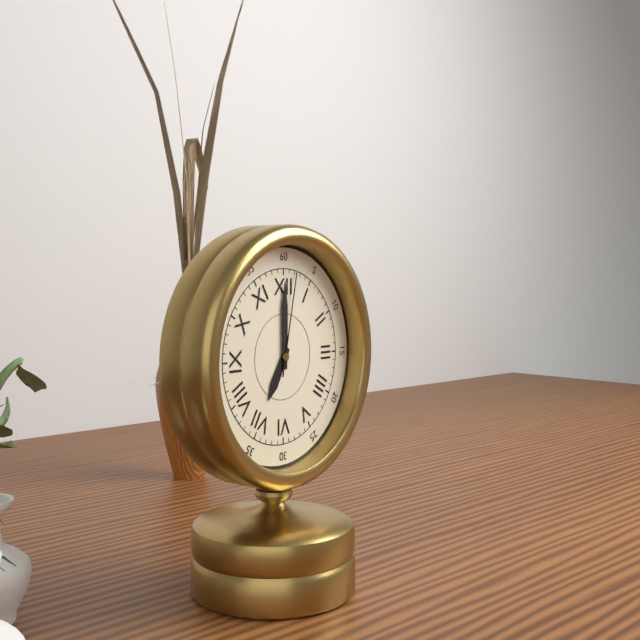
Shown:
7h00m02s
